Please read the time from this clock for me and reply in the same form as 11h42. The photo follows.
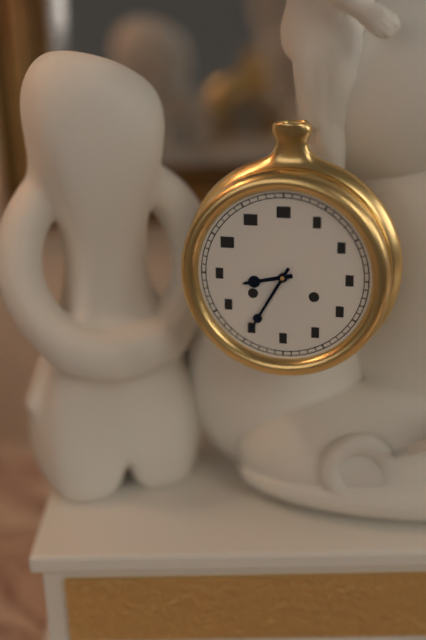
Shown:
8h35
